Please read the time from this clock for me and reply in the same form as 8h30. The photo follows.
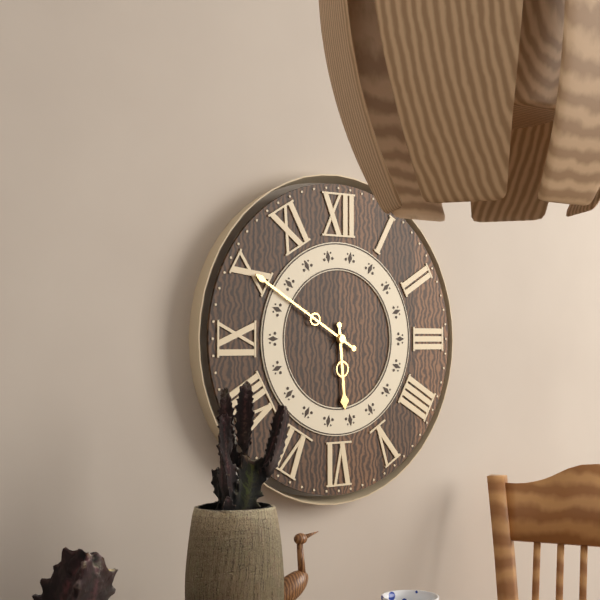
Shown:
5h50
